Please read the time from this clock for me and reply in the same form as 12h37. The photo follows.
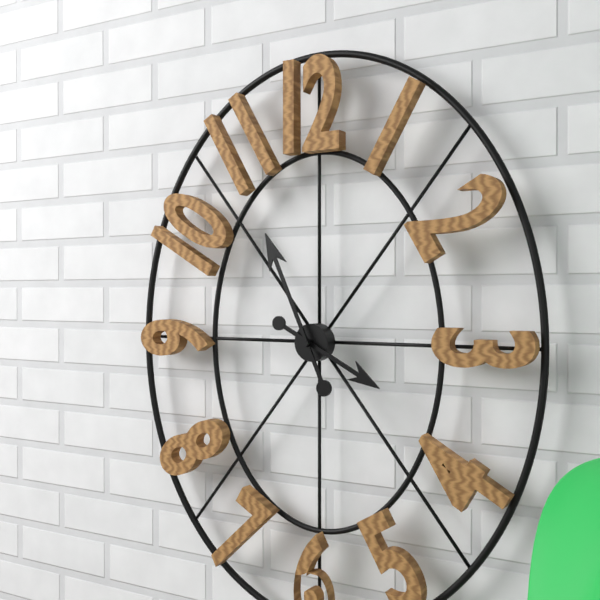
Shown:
3h56
